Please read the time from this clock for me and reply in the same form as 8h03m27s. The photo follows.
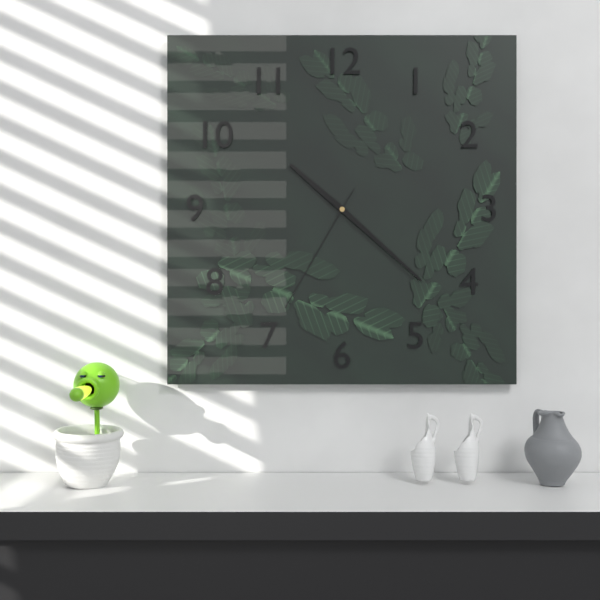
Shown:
10h22m35s
